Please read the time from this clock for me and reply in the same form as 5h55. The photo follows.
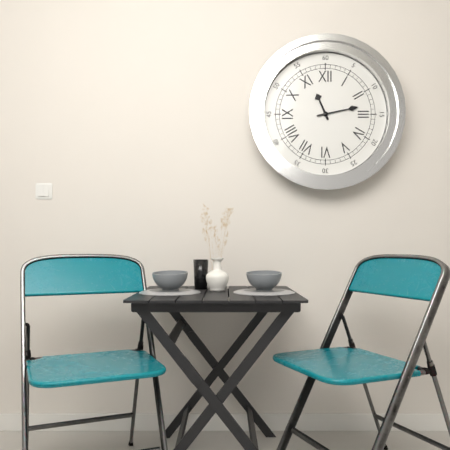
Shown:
11h13
